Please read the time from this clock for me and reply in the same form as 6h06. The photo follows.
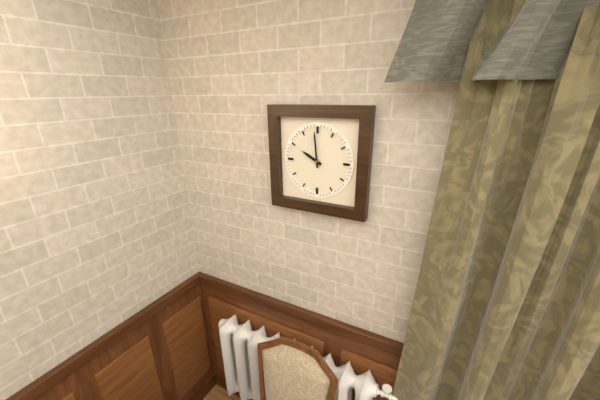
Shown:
9h59
